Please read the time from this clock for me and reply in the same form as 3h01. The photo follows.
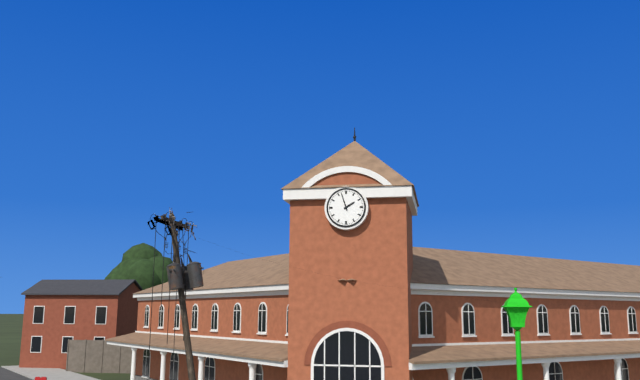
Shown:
1h57
